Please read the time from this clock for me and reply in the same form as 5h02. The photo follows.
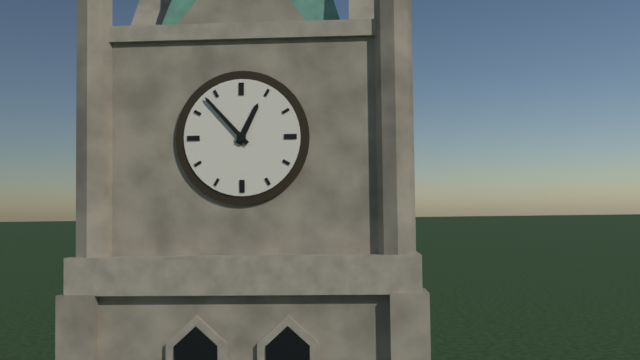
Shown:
12h53
